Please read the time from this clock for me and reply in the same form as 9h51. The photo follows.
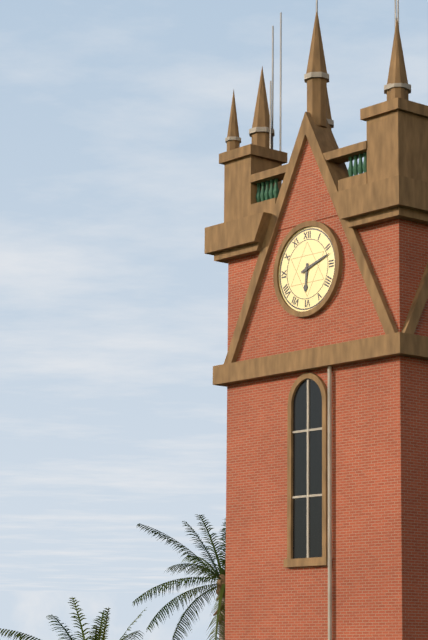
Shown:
6h12
